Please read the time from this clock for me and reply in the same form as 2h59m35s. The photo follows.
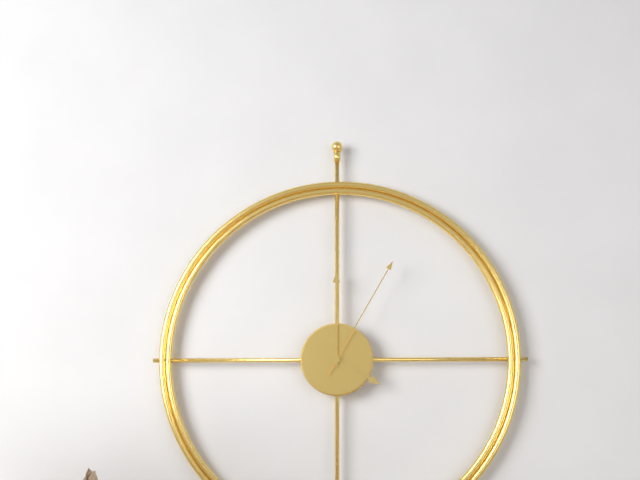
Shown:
4h00m05s
